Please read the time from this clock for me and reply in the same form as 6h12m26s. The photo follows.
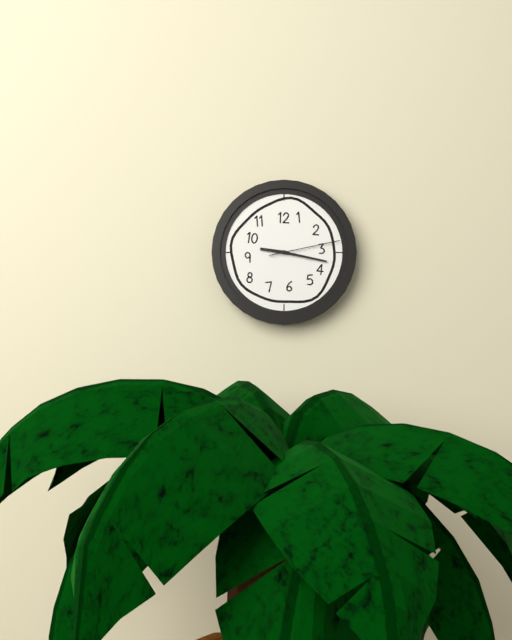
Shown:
9h17m13s
